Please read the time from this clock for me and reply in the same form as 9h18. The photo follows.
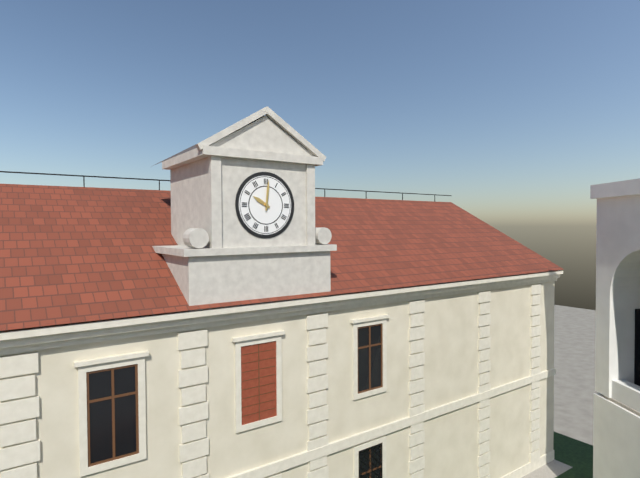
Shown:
10h01
